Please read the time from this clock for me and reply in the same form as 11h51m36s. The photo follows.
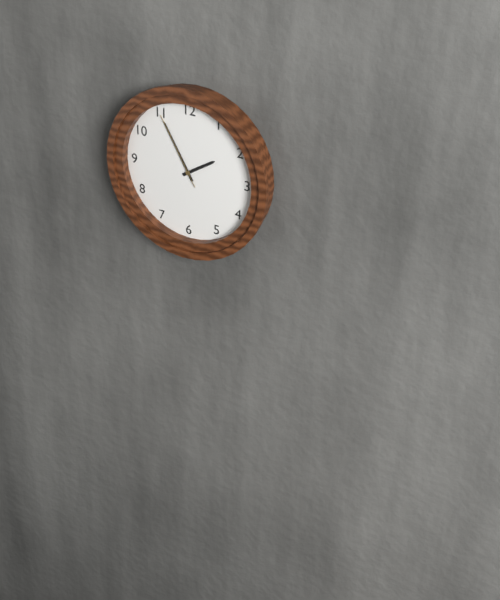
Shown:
1h55m55s
